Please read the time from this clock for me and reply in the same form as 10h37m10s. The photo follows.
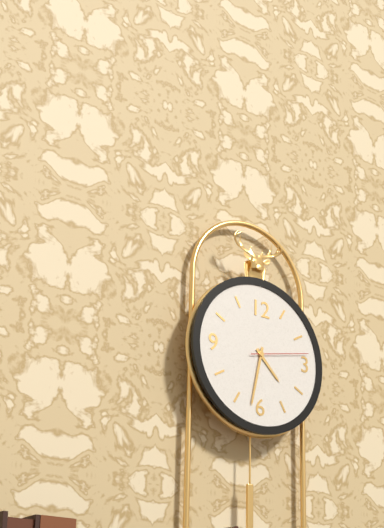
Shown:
4h32m13s
